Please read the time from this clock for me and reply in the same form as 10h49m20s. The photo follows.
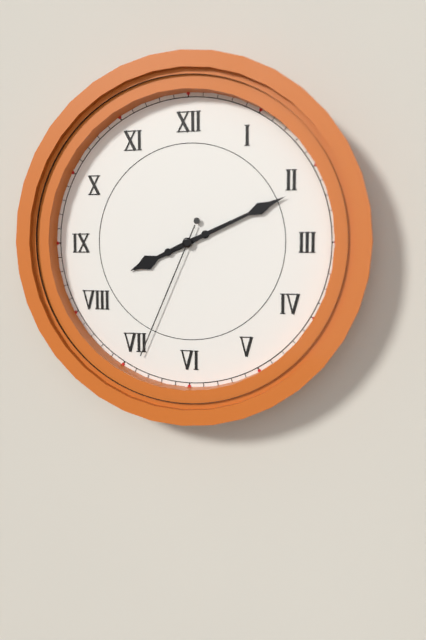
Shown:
8h11m34s
